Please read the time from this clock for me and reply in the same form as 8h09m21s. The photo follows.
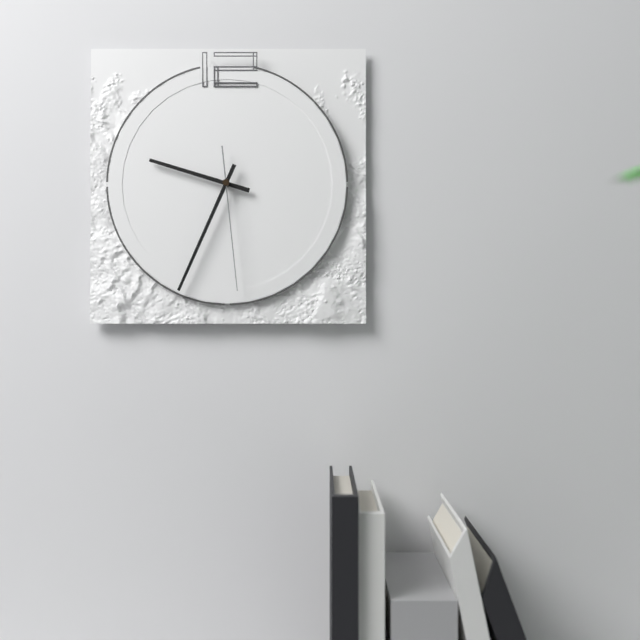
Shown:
9h34m29s
